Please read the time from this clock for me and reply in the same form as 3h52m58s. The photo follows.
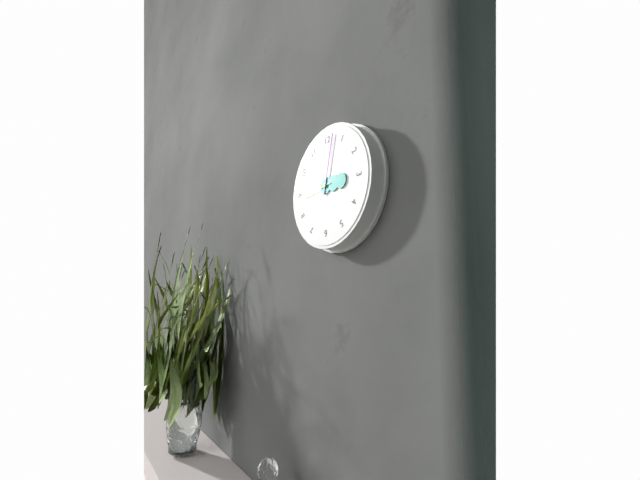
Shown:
3h02m44s
